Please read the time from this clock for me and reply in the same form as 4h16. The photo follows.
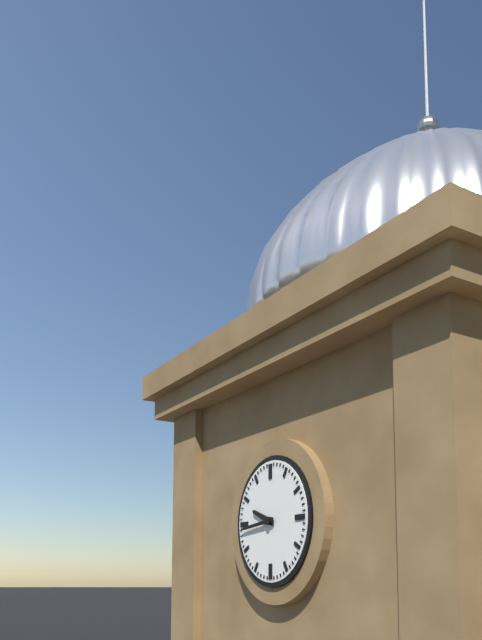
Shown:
9h44
